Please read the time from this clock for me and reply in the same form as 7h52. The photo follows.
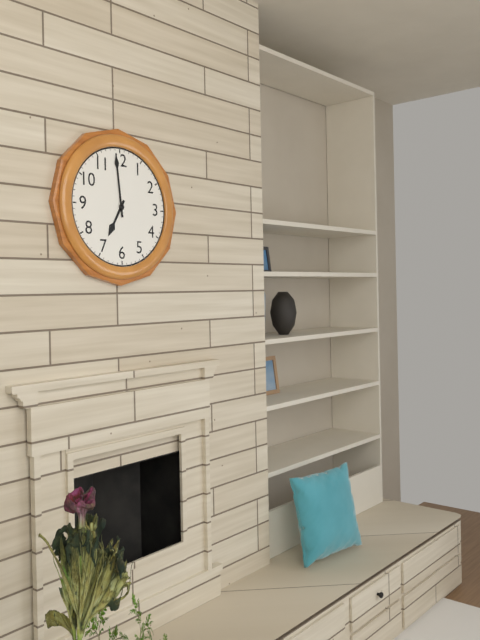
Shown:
6h59
